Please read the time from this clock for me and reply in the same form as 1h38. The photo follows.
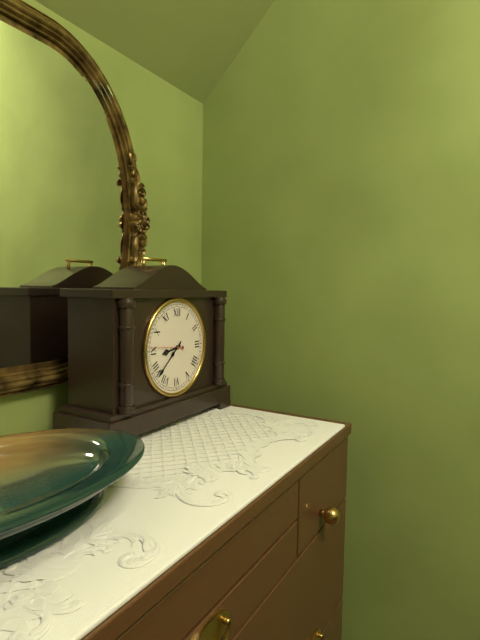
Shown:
8h38
